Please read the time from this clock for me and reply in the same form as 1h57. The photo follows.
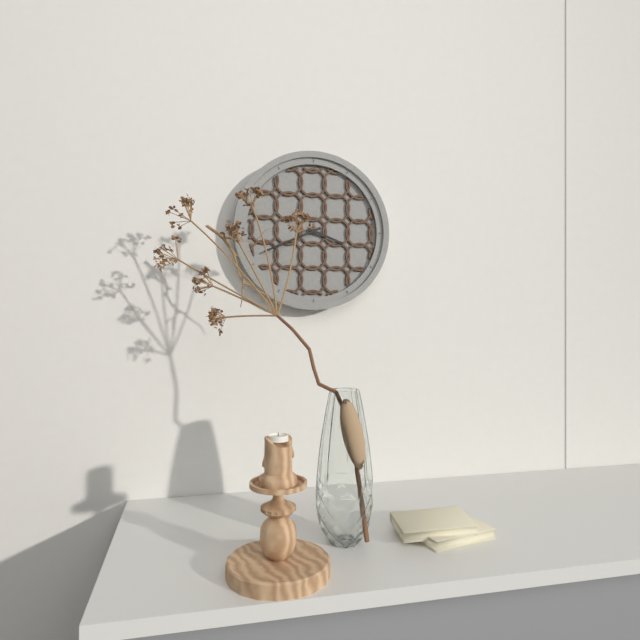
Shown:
3h41
